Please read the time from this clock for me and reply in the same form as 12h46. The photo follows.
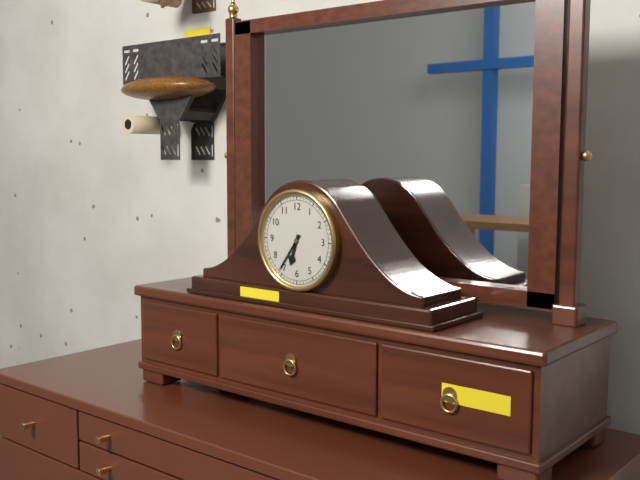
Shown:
6h36
